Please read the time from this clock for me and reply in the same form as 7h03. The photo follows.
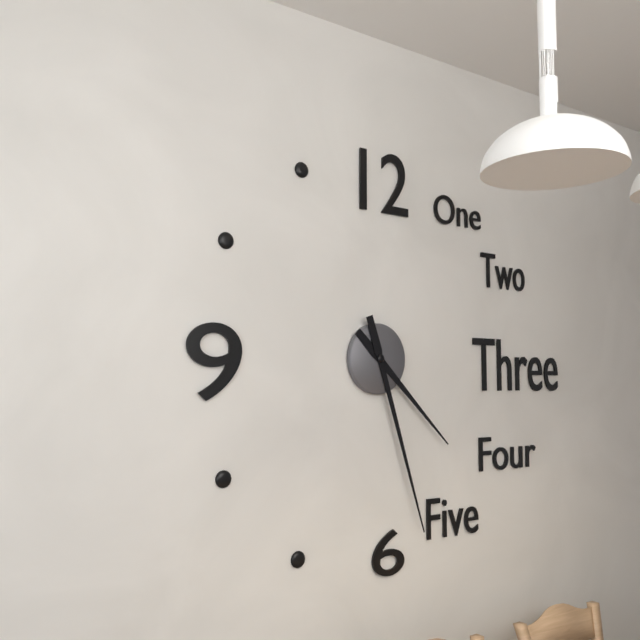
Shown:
4h27
